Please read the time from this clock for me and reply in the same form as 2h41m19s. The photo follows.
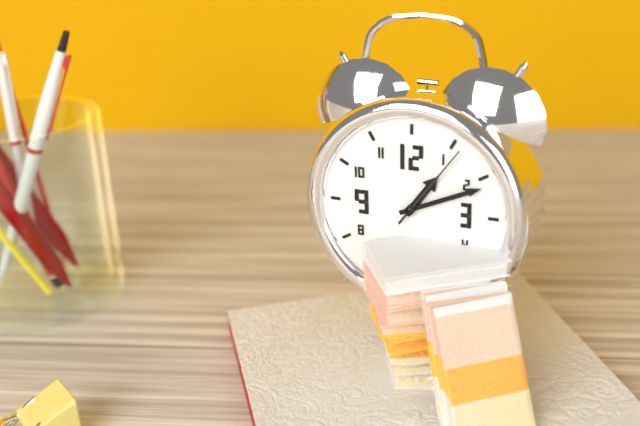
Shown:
1h11m06s
